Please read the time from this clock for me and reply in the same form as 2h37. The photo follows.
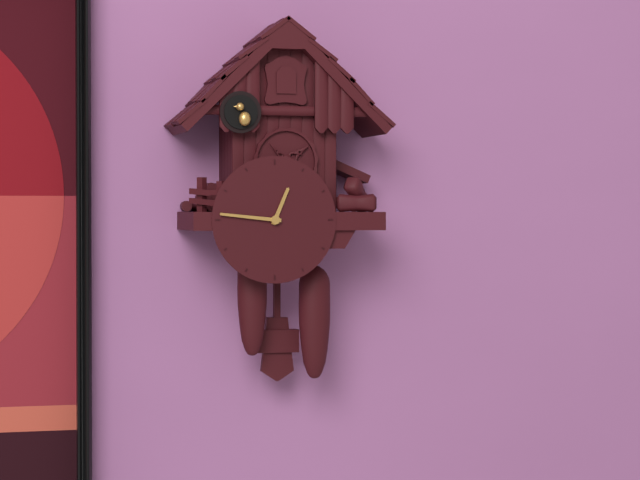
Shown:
12h46
